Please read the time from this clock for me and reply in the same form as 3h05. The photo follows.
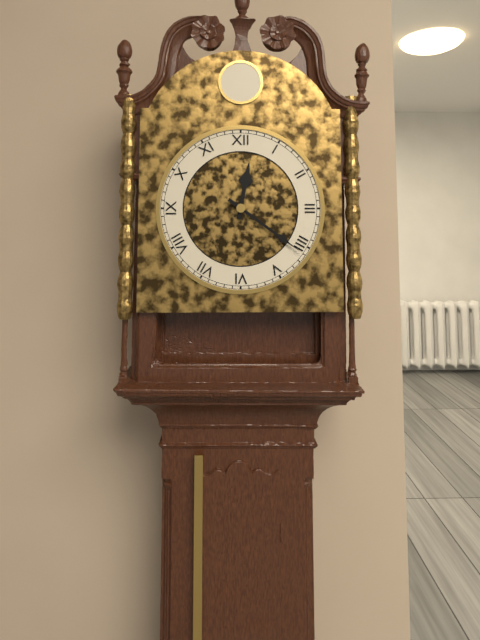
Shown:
12h21
